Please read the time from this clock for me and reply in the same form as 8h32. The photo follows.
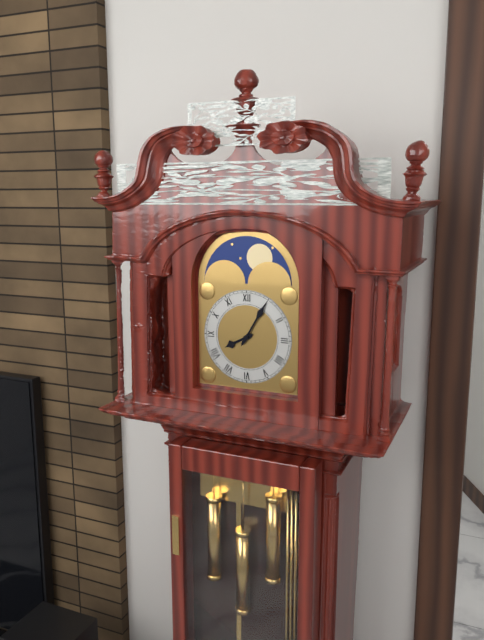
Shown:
8h05
